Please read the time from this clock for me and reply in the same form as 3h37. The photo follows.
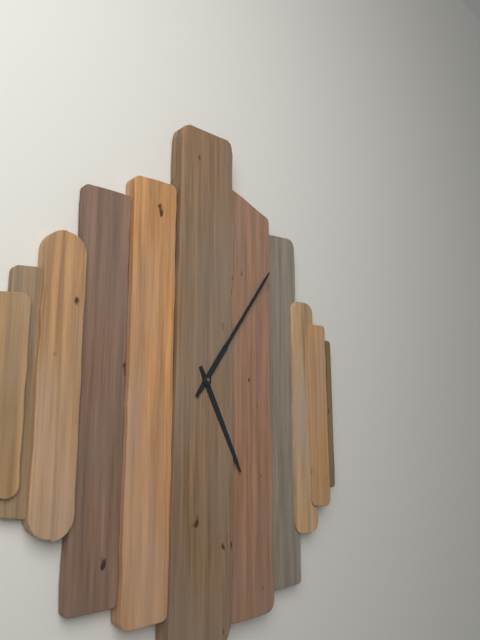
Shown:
5h06
